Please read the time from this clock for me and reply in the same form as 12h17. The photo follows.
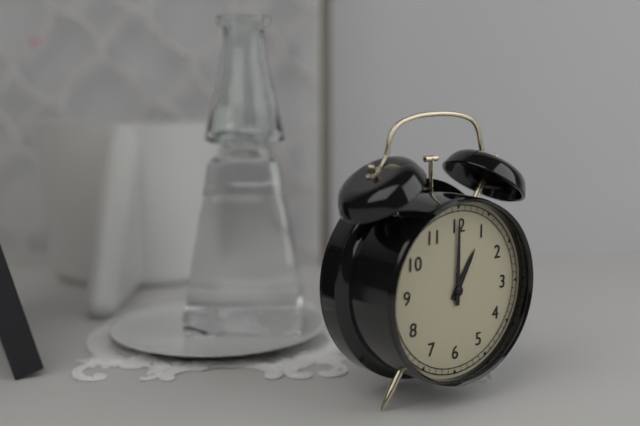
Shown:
1h00
